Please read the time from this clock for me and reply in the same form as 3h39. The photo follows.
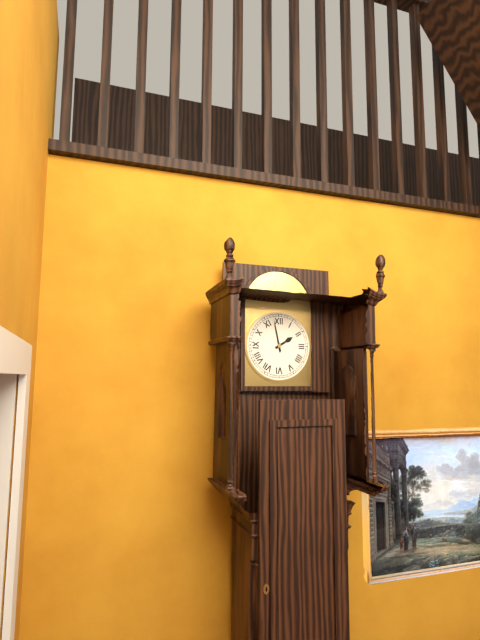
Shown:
1h58
